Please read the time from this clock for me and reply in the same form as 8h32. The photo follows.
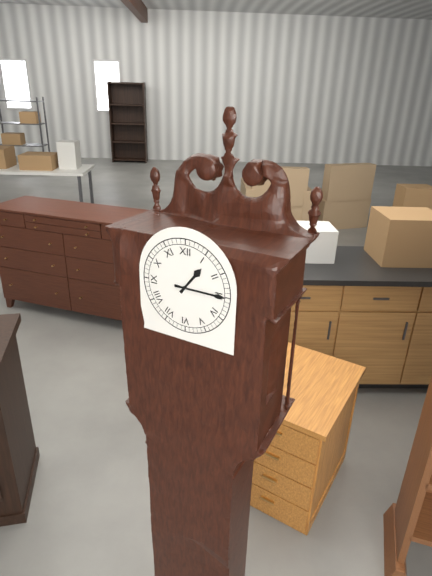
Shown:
1h15
